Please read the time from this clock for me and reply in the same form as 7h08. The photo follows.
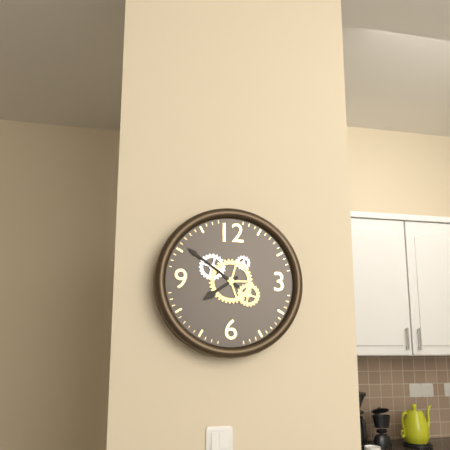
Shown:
7h51
